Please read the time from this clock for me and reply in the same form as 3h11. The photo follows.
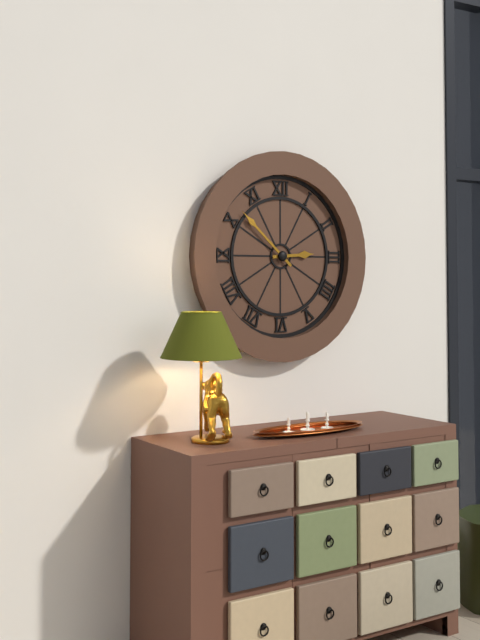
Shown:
2h52
